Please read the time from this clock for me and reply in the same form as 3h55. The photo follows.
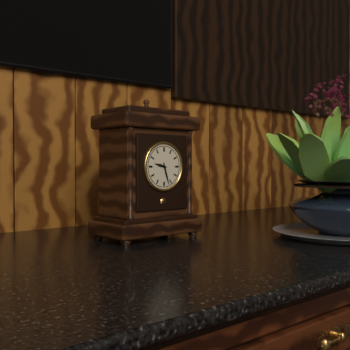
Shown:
9h27
